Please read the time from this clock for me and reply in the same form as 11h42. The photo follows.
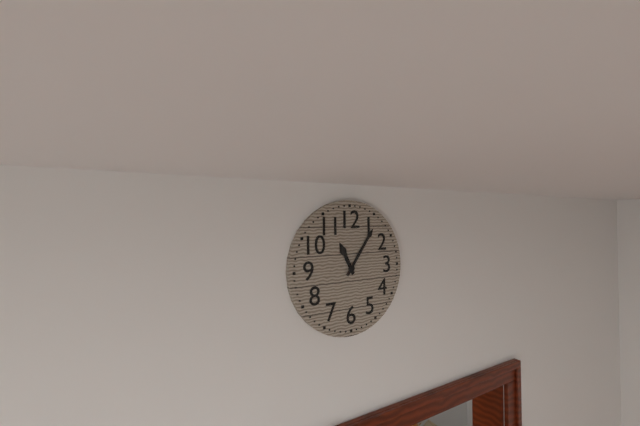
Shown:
11h06
